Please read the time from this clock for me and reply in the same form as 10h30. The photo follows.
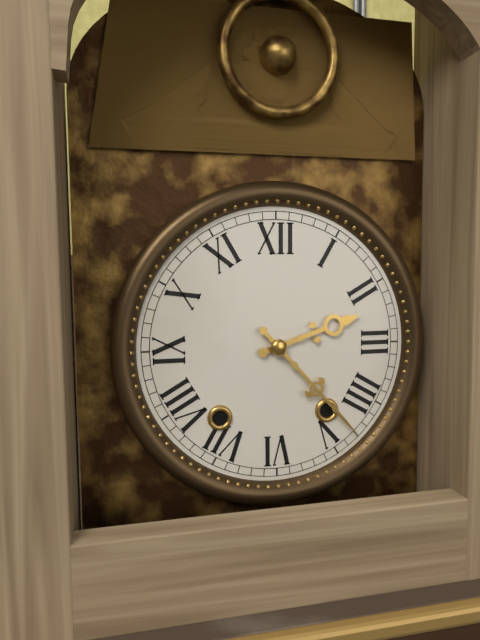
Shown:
2h23
